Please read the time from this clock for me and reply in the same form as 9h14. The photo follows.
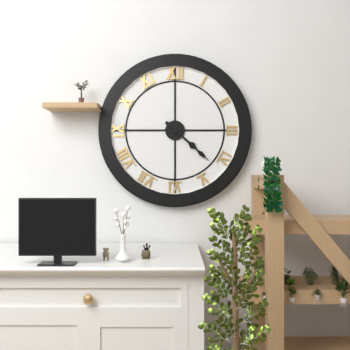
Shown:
4h22
